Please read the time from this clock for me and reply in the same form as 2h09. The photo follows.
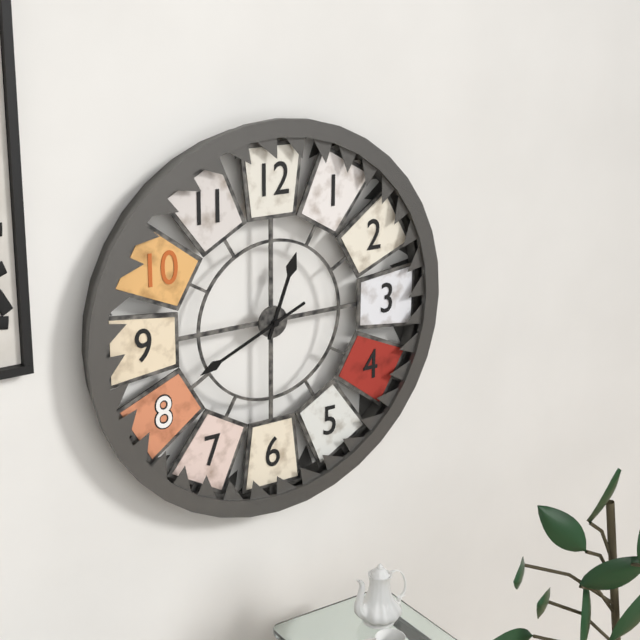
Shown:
12h41
